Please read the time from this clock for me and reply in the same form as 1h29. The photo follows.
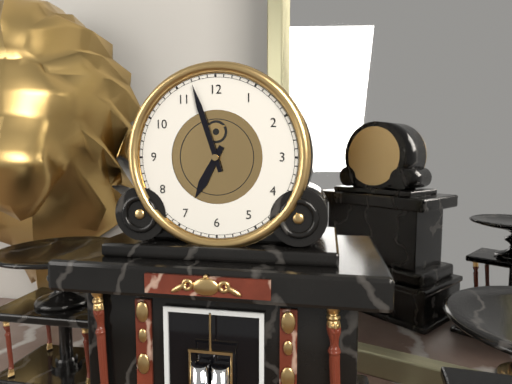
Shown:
6h57
